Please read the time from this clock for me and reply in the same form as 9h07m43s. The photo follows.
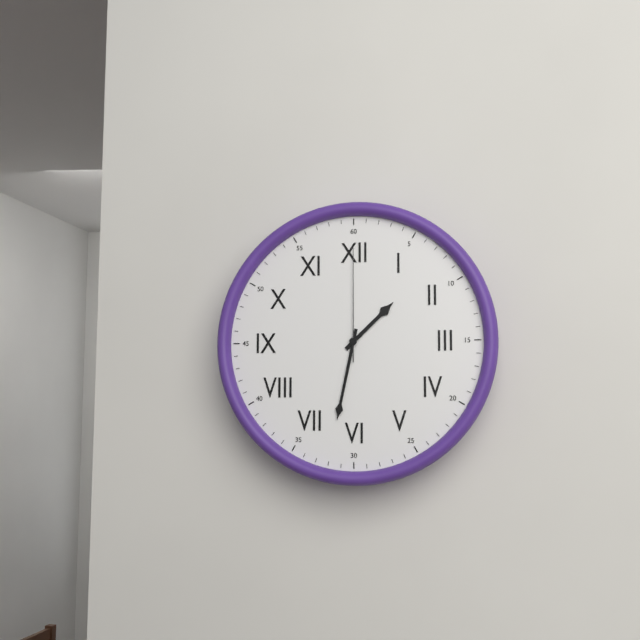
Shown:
1h32m00s
